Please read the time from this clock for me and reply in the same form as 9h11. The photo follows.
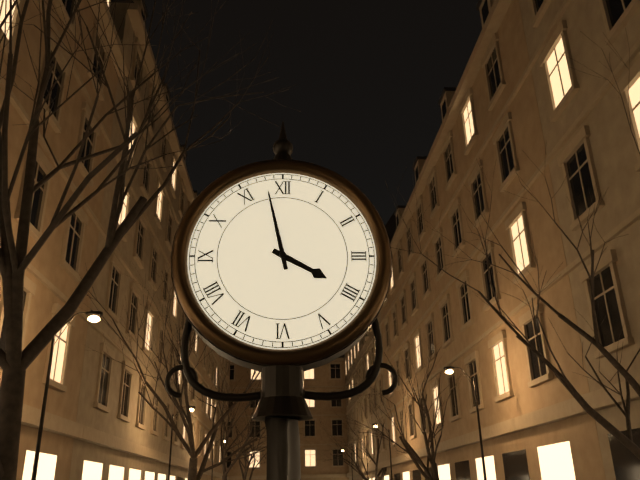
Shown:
3h58
